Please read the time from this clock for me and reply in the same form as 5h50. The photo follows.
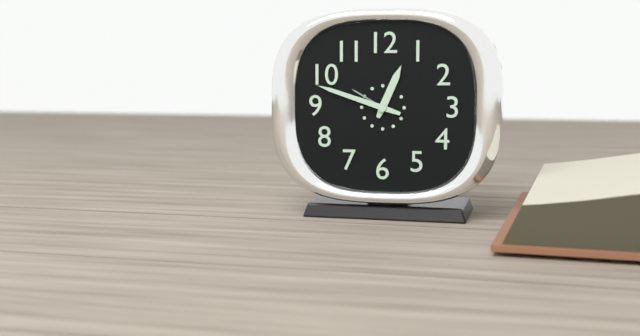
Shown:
12h48
